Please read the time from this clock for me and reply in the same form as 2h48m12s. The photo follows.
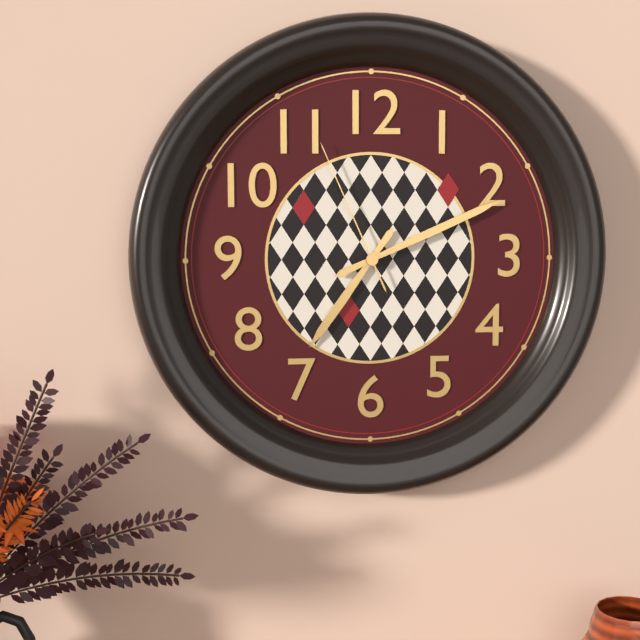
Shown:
7h11m56s
